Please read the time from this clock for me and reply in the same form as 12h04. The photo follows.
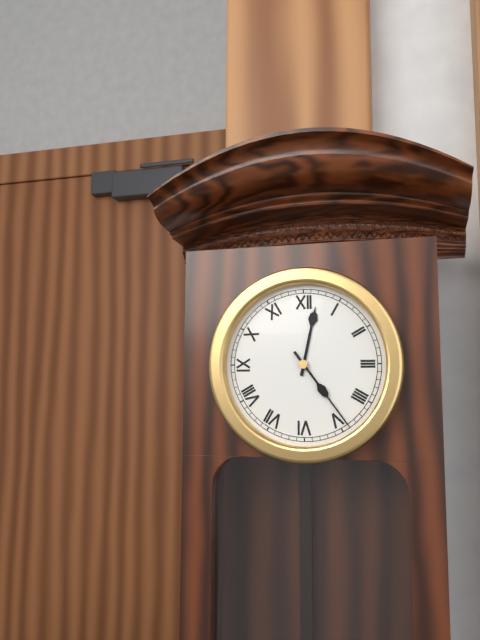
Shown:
12h24
